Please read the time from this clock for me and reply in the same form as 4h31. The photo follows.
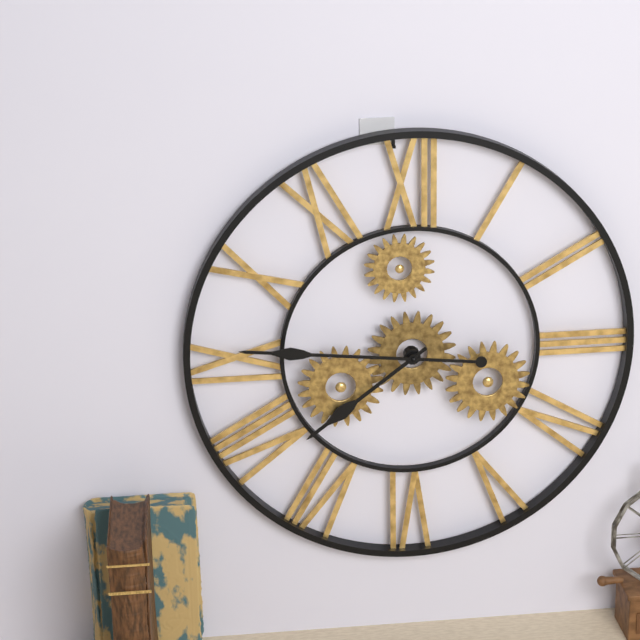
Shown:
7h46
